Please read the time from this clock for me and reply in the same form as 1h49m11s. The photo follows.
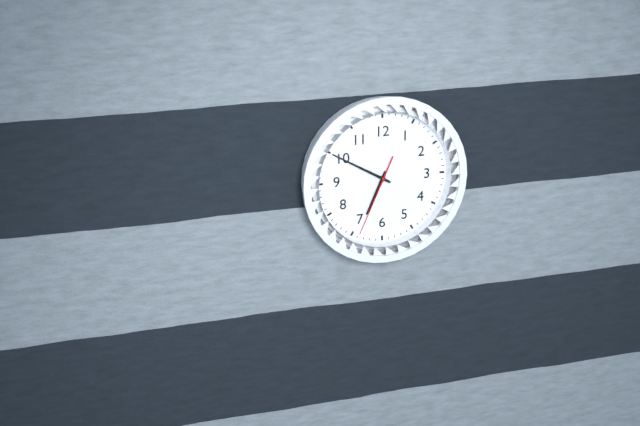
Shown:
6h50m34s
